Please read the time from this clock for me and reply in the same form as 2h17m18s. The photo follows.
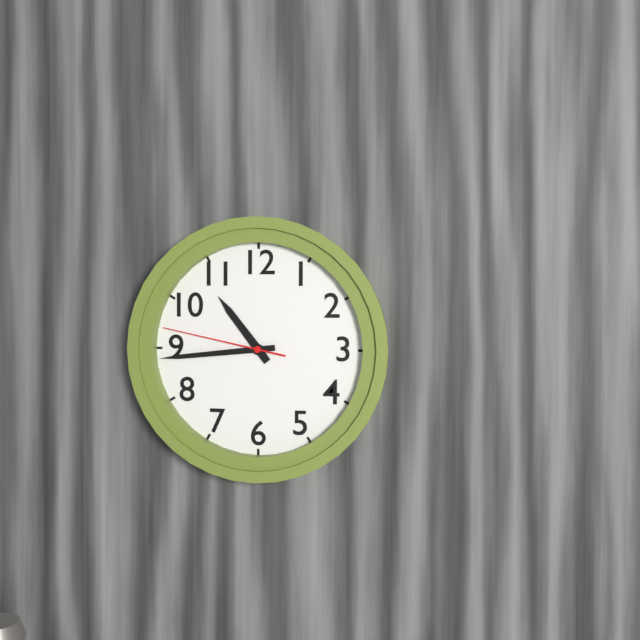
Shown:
10h44m47s
